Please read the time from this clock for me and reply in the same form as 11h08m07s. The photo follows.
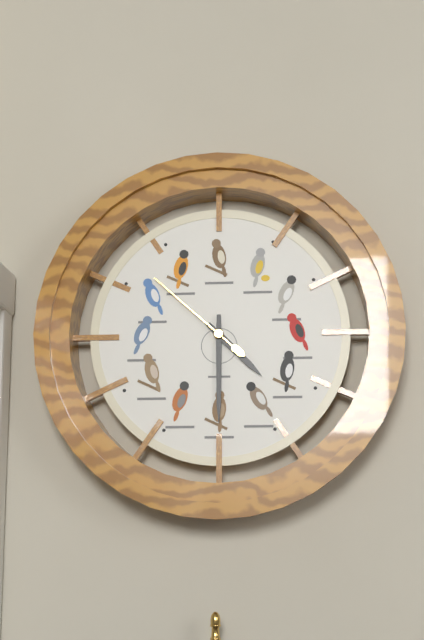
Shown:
4h30m52s
